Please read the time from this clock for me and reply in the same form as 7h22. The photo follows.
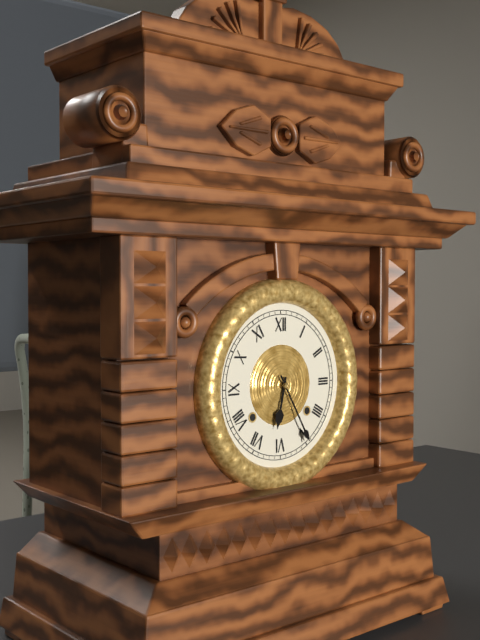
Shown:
6h25
